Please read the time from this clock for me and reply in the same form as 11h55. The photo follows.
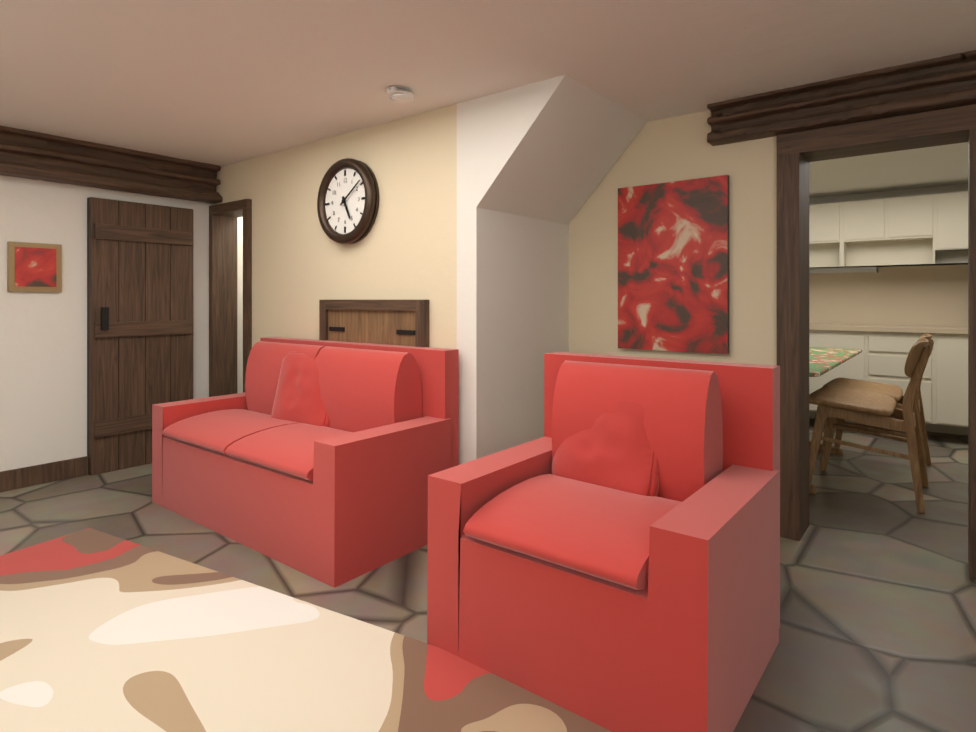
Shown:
5h09
